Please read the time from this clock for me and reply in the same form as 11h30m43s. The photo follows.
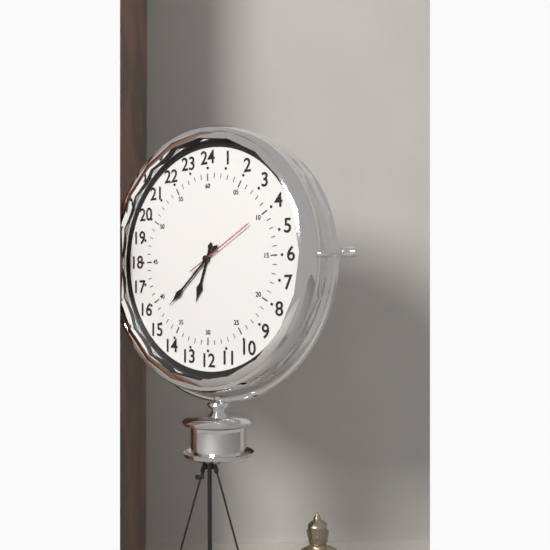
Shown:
6h38m10s
